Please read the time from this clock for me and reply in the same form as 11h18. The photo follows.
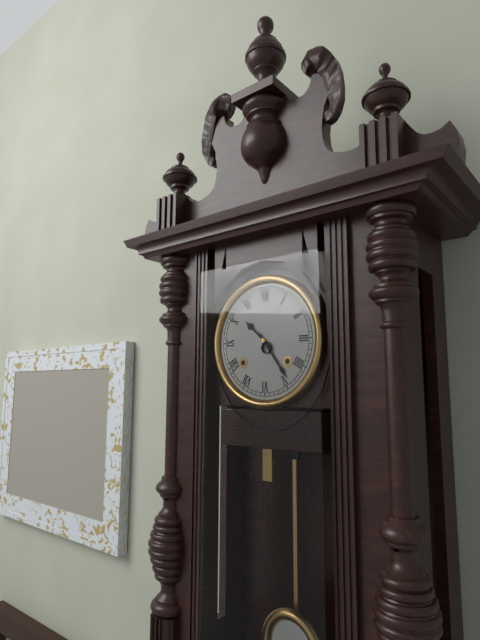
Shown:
10h24
